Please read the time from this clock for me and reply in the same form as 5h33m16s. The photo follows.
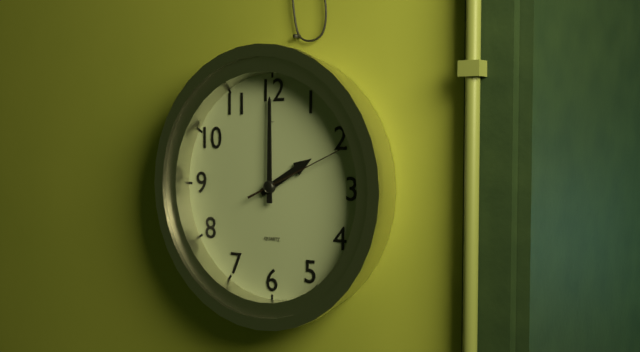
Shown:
2h00m11s
